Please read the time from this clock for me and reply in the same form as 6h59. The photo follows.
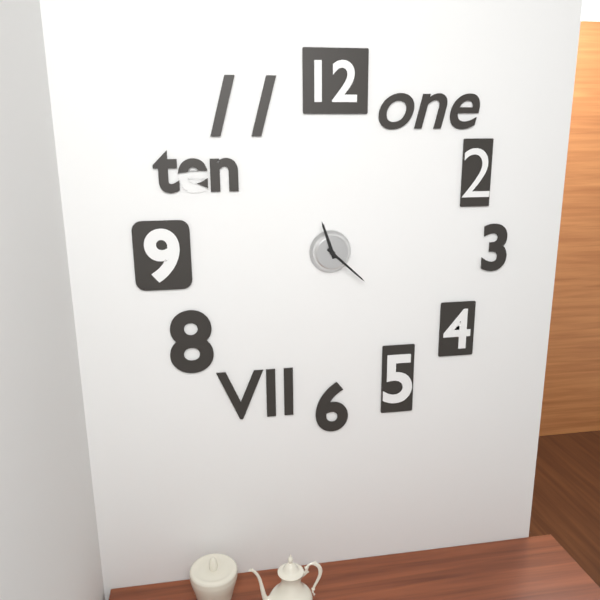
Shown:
11h22
